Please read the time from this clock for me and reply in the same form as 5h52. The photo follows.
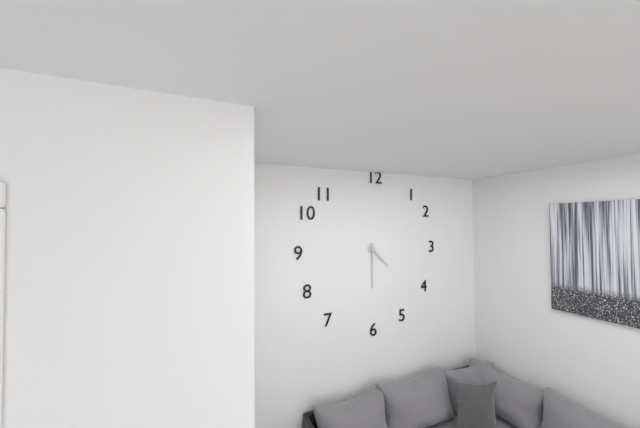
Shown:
4h30
